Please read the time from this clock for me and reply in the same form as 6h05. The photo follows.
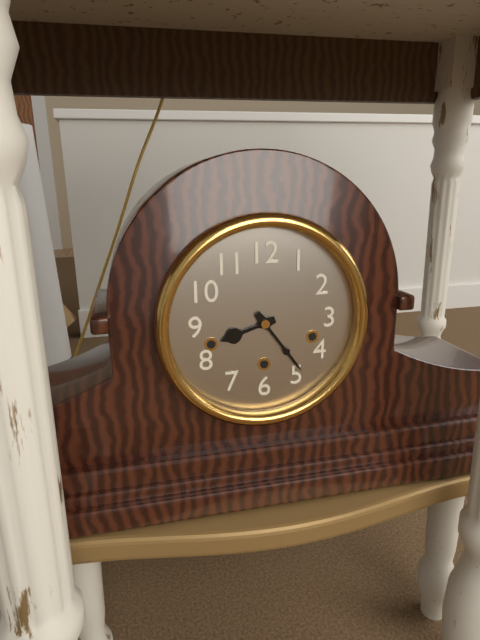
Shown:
8h24
